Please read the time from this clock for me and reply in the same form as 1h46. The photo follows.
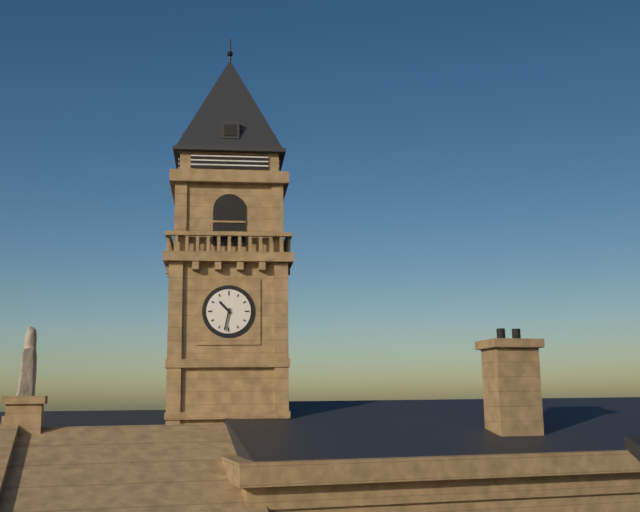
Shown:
10h32
